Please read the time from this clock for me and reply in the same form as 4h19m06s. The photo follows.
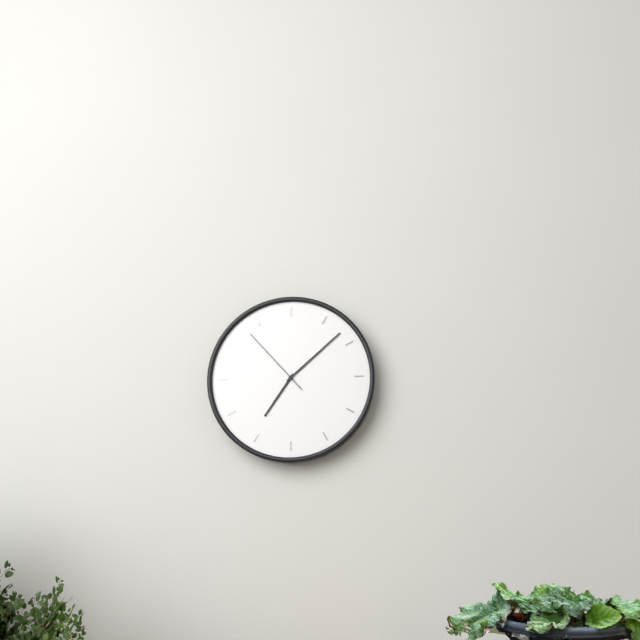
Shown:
7h08m53s
